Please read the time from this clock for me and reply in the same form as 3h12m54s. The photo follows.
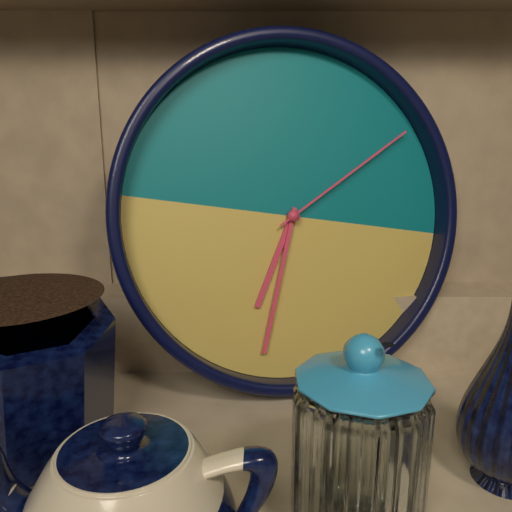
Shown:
6h31m08s
